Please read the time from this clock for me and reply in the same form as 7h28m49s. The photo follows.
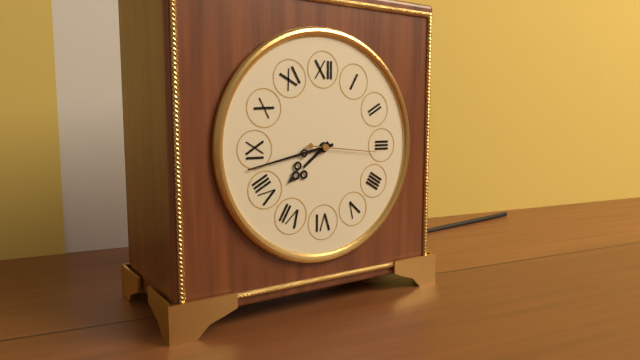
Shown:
7h43m16s
